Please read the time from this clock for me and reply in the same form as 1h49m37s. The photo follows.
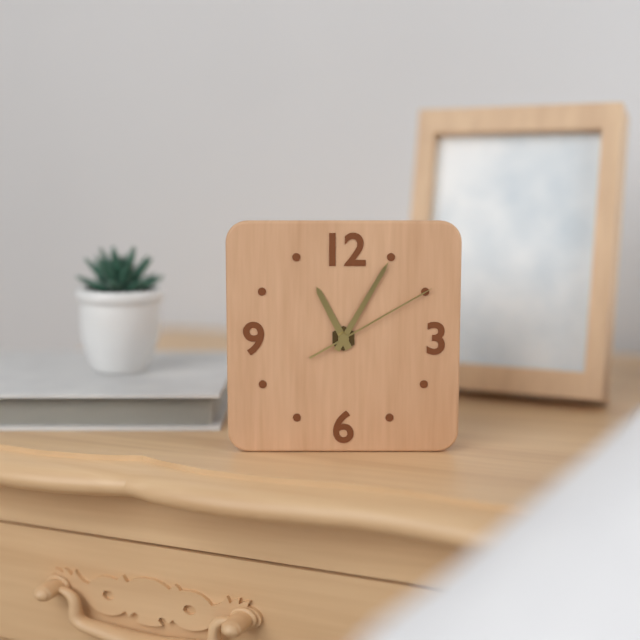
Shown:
11h05m10s
